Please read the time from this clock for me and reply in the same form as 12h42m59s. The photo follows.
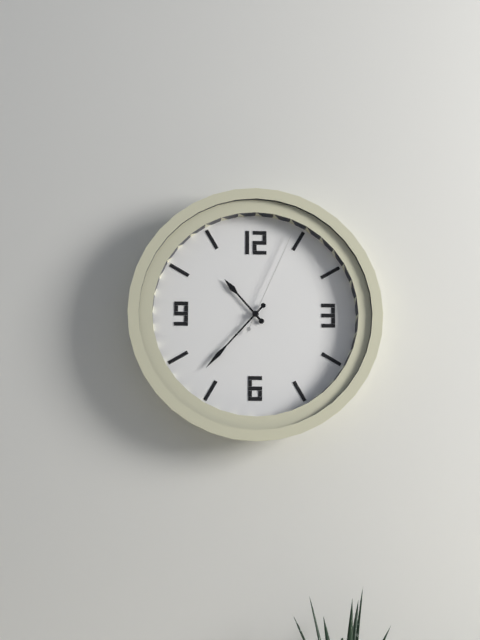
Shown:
10h37m04s
